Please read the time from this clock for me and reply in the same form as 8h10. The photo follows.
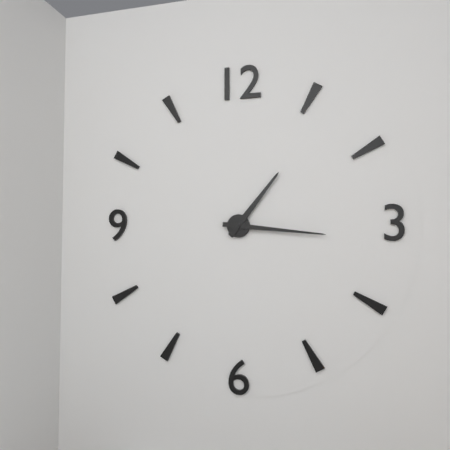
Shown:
1h16
